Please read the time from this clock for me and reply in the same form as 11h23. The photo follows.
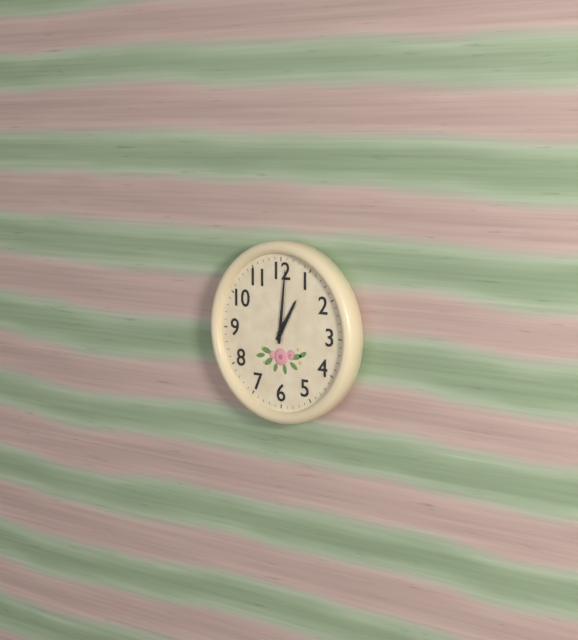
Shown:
1h01
